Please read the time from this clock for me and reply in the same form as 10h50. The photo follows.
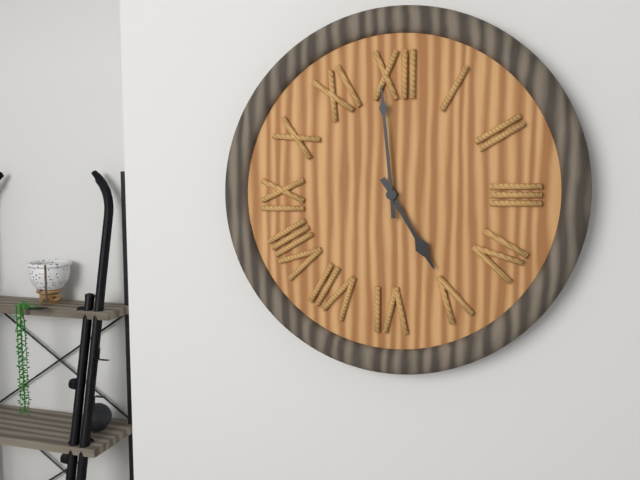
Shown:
4h59
